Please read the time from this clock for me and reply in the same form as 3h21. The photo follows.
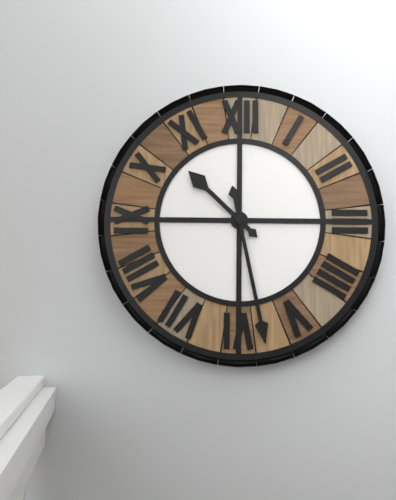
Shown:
10h28
